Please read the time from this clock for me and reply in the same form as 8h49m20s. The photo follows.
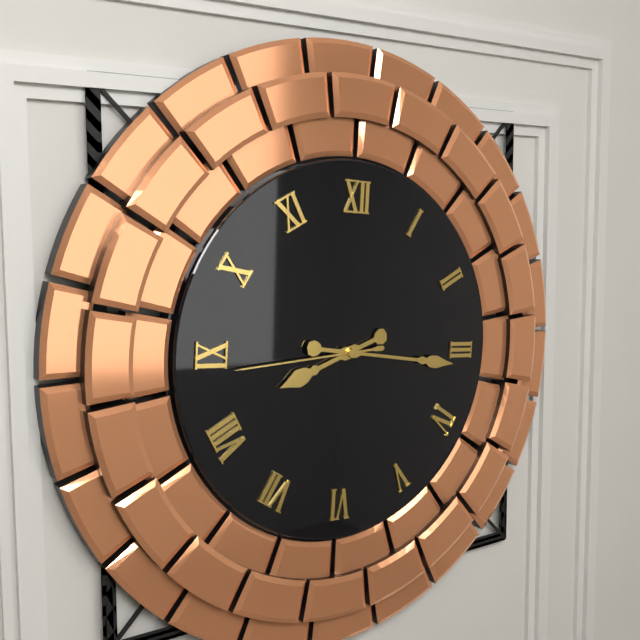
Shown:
8h16m44s
